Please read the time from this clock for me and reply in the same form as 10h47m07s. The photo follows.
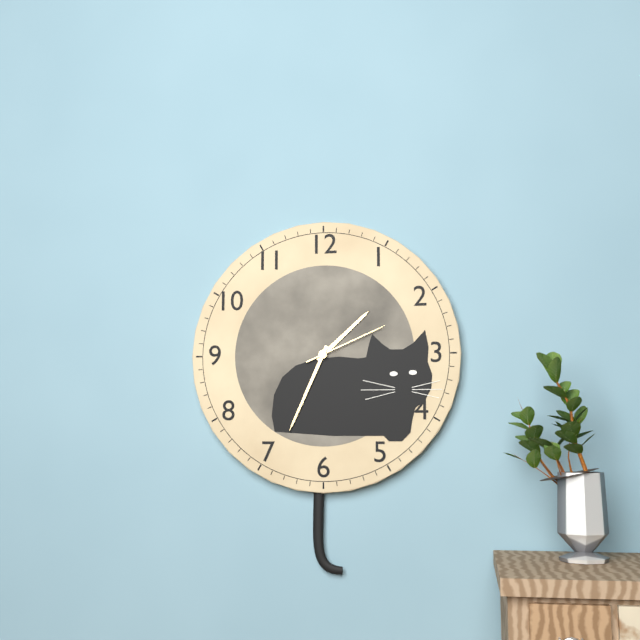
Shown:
1h34m11s
